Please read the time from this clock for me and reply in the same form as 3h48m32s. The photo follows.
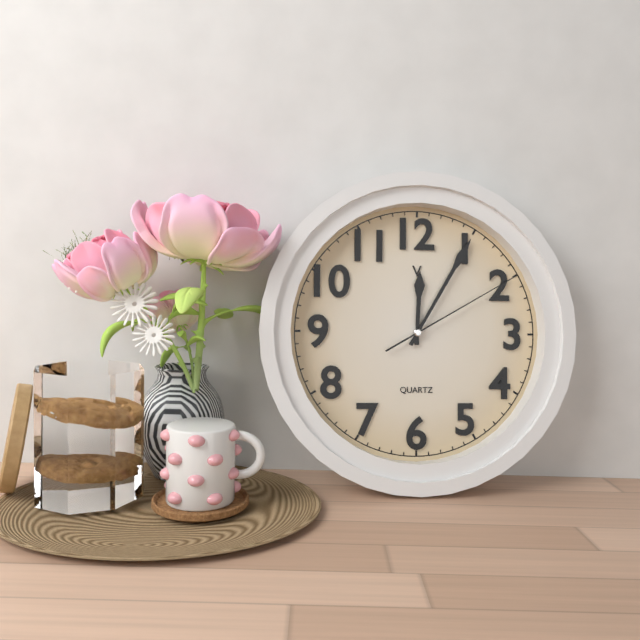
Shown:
12h05m10s
